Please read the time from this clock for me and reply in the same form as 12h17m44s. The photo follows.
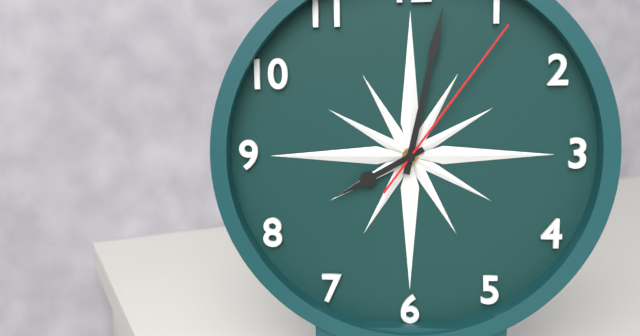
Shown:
8h02m06s
